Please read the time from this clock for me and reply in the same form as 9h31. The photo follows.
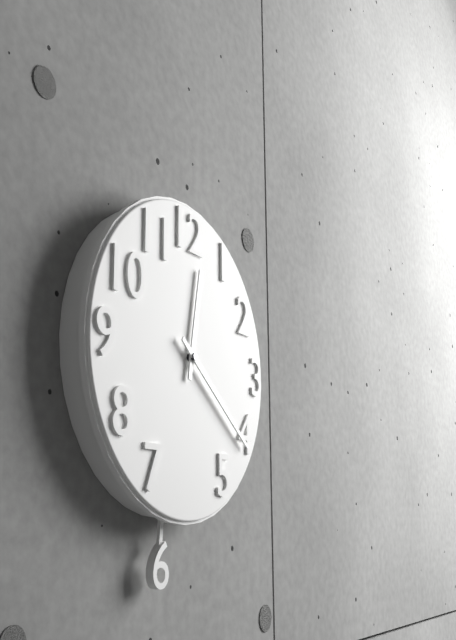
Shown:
12h21
